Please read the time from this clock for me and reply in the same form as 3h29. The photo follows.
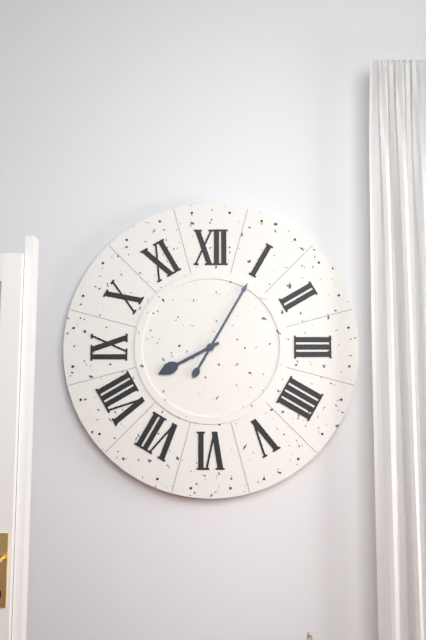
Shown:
8h05
